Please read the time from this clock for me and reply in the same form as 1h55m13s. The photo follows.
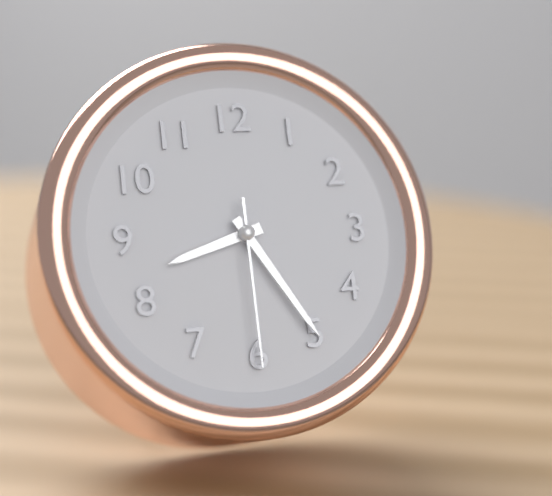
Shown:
8h25m30s
